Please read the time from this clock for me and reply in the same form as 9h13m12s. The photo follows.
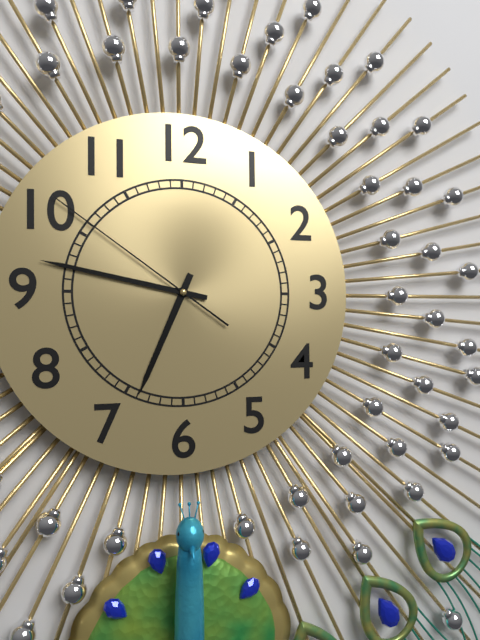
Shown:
6h47m51s
